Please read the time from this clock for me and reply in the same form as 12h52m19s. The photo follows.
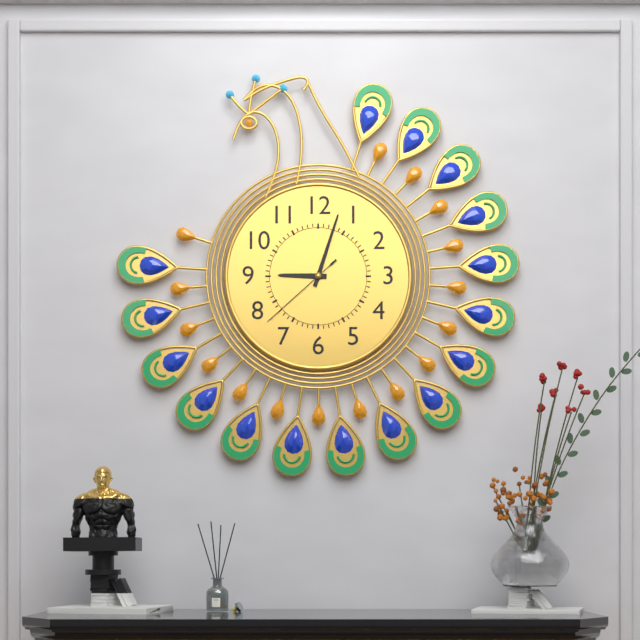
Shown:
9h03m38s
